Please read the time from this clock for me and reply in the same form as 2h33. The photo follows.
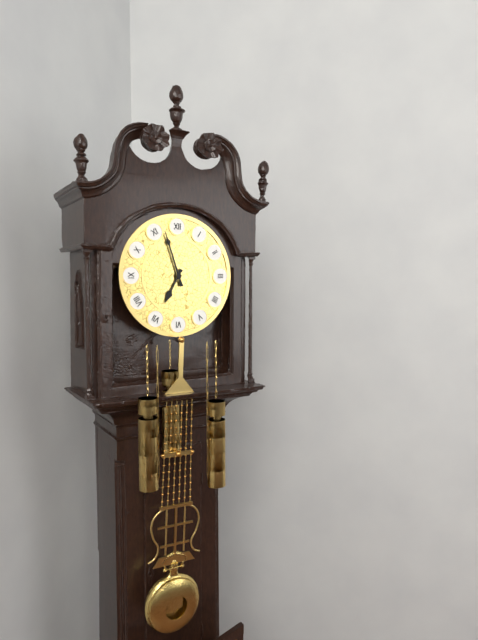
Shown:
6h57
